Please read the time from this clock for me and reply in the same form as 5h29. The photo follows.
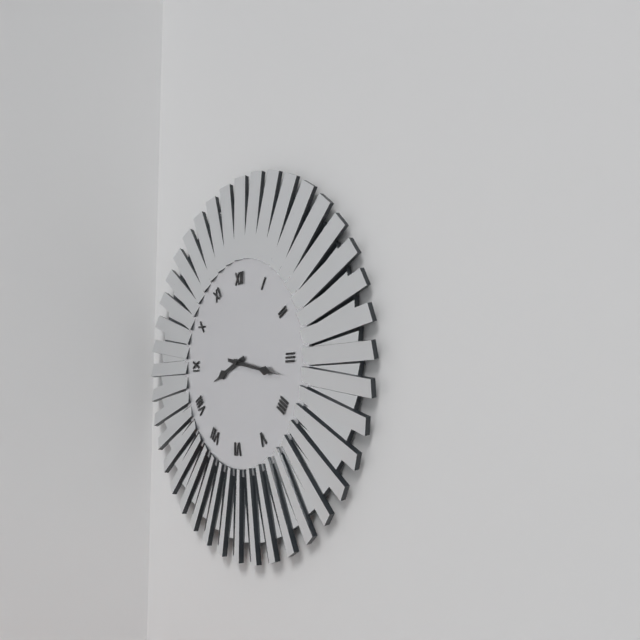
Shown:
8h17
